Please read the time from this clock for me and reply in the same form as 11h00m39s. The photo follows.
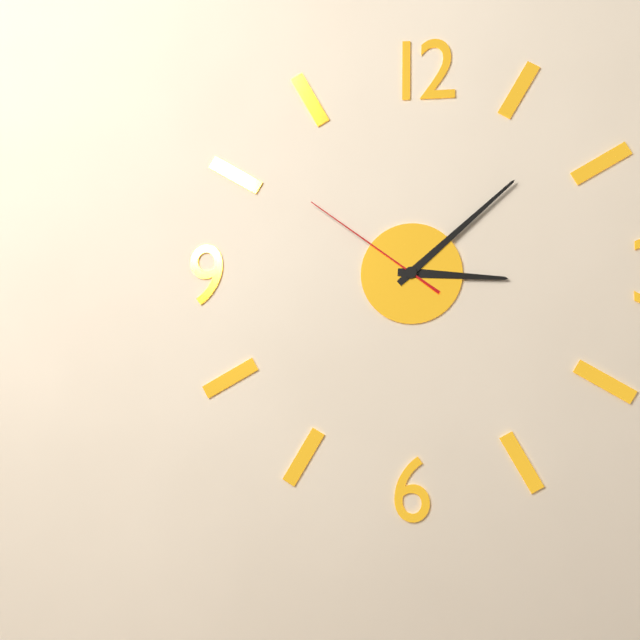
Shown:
3h08m51s
